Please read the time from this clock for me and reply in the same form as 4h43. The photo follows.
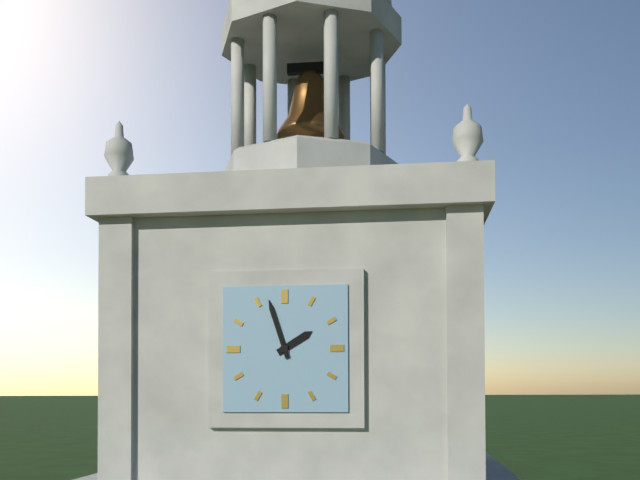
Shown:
1h57
